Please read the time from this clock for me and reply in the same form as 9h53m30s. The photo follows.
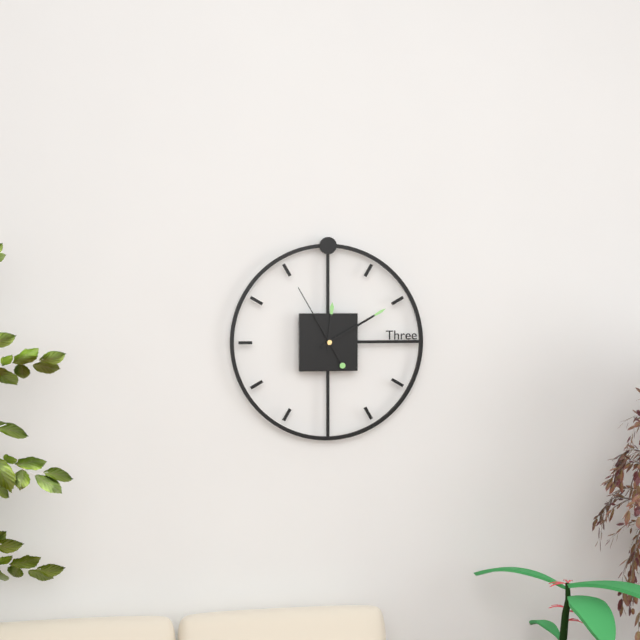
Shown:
12h10m55s
